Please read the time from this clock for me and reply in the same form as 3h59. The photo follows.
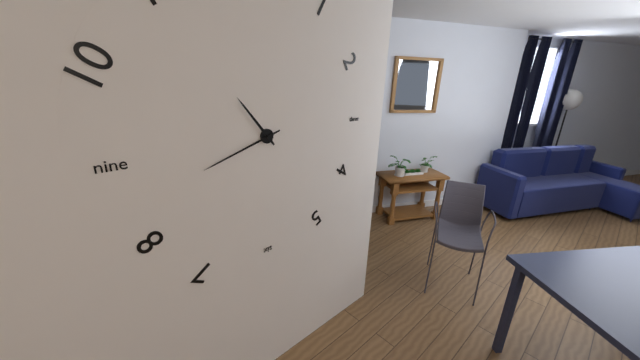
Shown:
10h42
